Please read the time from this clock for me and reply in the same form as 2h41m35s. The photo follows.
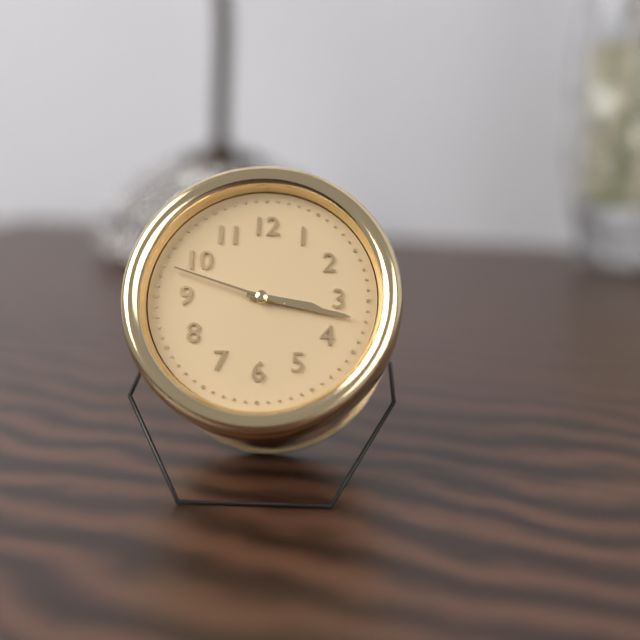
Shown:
3h17m48s
